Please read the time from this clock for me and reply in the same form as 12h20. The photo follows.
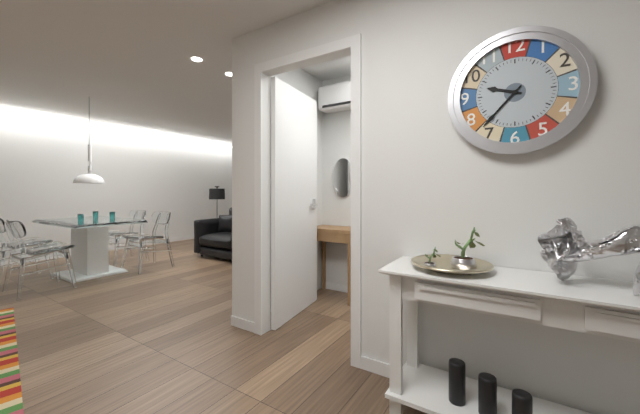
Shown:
9h37
